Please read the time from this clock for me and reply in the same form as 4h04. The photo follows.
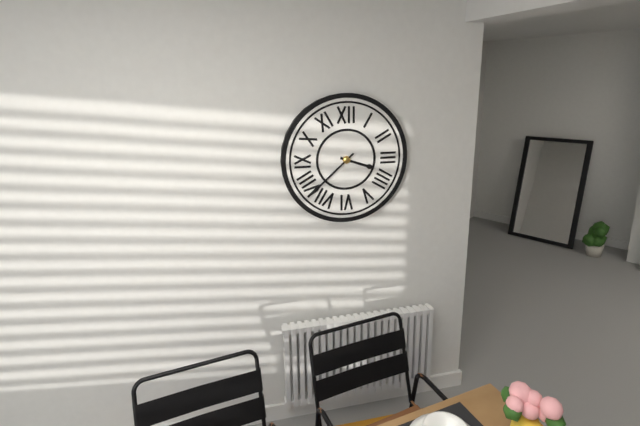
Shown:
3h38
